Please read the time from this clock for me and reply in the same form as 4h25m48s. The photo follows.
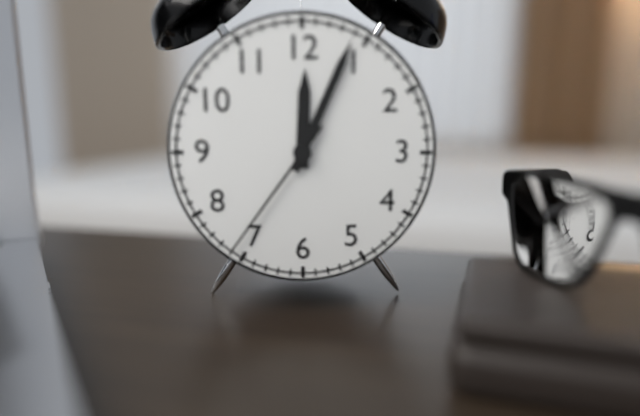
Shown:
12h04m36s
